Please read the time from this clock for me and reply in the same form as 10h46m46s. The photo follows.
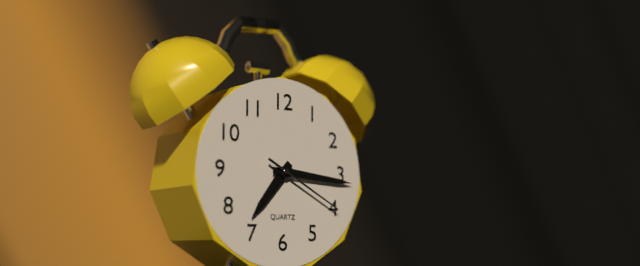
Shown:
7h16m20s
